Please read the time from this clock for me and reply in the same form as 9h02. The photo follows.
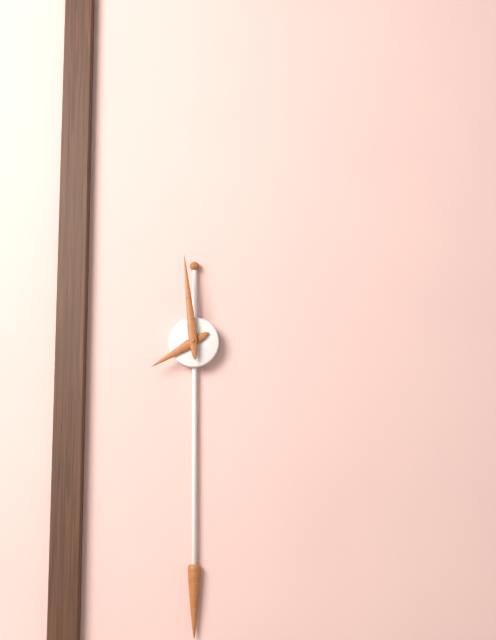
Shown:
7h59
